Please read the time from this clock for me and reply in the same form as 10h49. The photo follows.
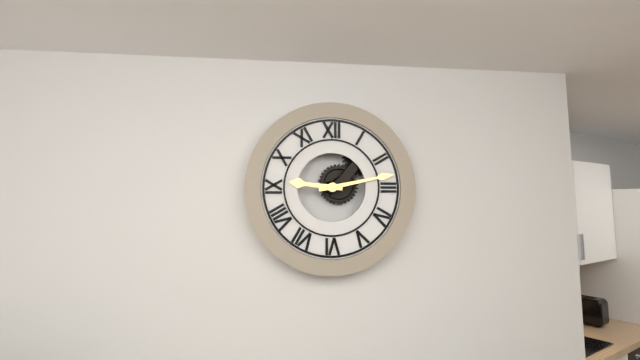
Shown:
9h13
